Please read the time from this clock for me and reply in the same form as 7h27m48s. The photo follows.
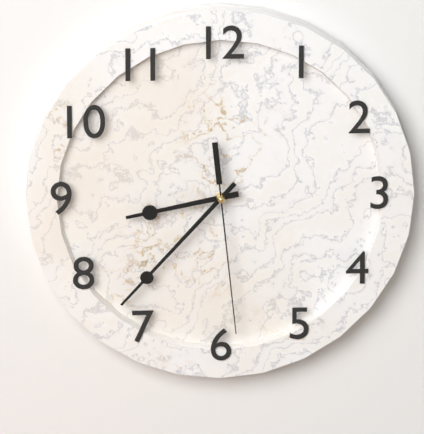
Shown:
8h37m29s
